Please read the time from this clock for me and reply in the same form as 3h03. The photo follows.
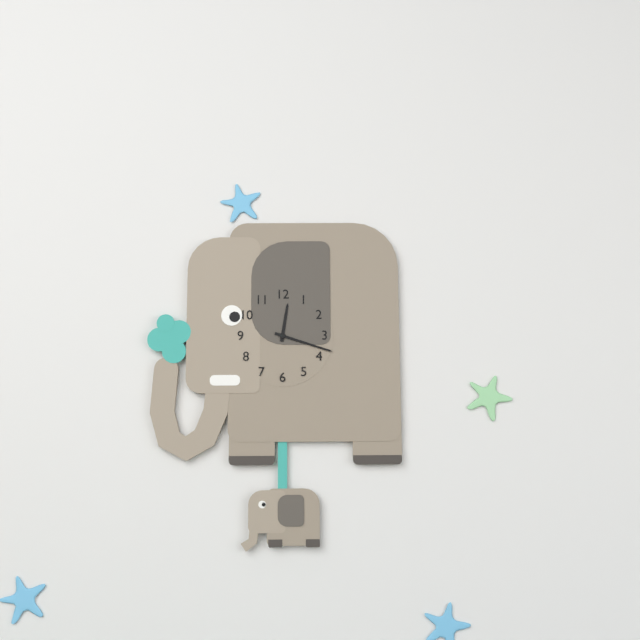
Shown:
12h18
